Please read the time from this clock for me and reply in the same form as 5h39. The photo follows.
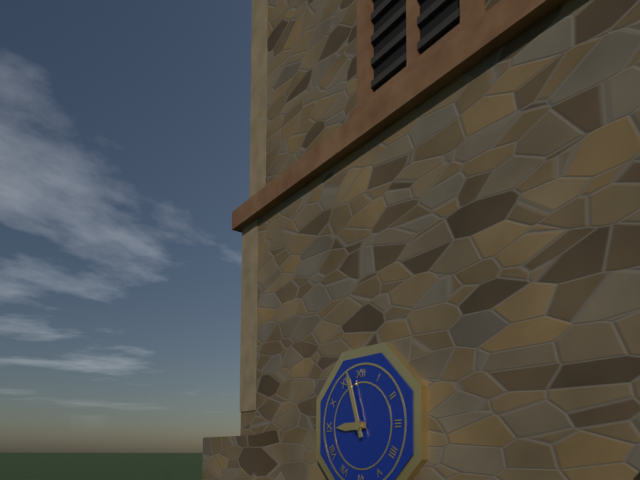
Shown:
8h57
